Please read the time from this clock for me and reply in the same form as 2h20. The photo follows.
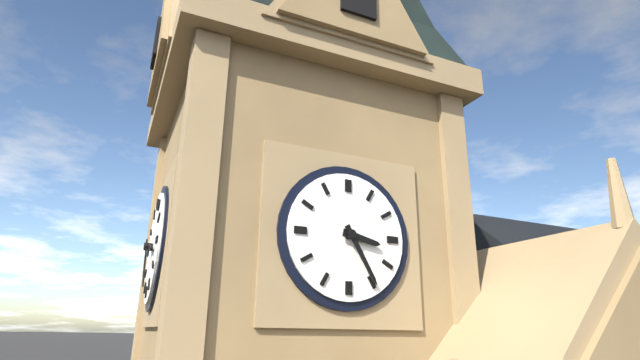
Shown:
3h25
